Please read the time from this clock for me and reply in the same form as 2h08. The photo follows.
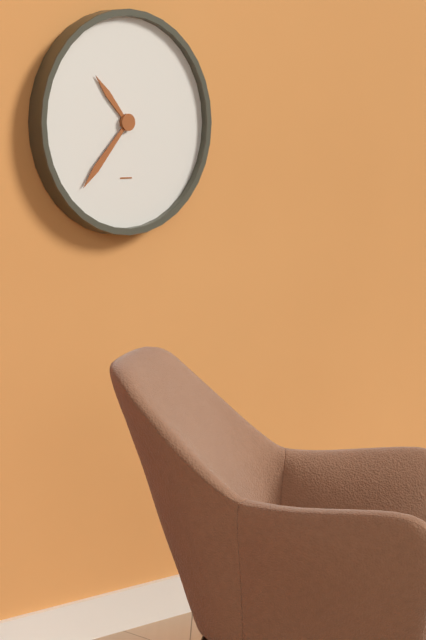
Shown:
10h37
